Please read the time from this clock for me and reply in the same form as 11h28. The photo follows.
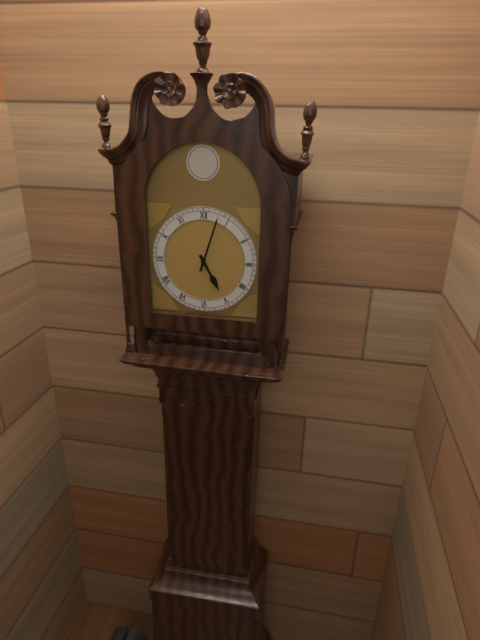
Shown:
5h03
